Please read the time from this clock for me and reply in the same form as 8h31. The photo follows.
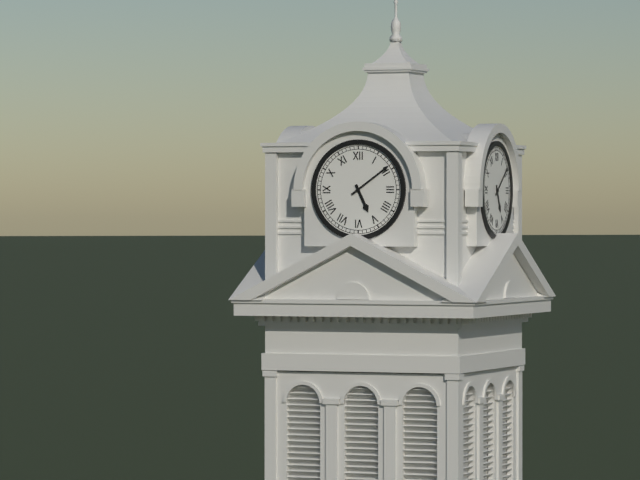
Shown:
5h09
